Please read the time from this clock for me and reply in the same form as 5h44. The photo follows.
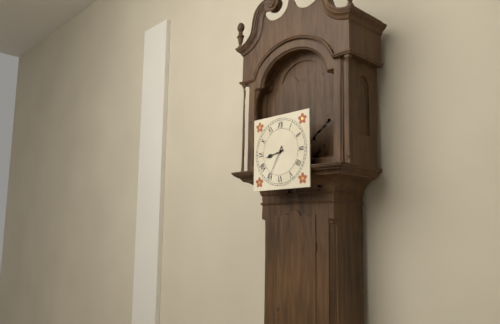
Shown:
8h35
